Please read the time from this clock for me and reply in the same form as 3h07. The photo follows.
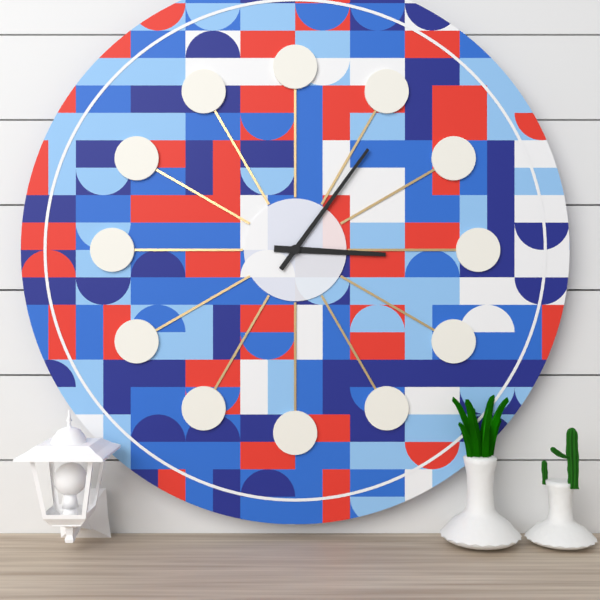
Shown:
3h06
